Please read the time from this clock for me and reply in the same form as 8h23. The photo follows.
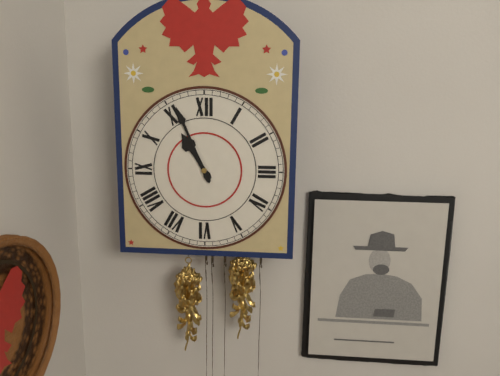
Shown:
10h56
